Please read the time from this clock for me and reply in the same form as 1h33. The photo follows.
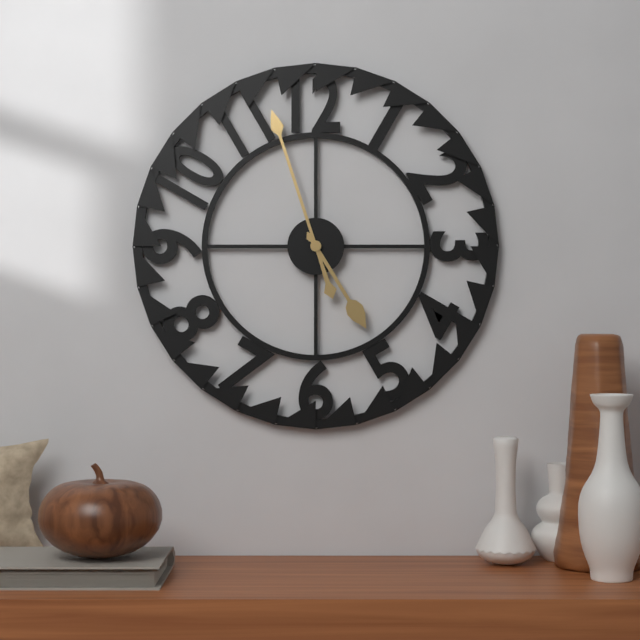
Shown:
4h57
